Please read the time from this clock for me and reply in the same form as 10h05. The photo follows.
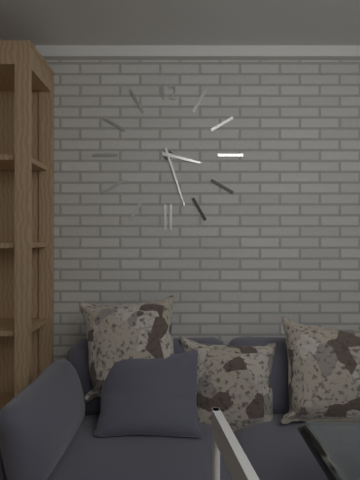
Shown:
3h27
